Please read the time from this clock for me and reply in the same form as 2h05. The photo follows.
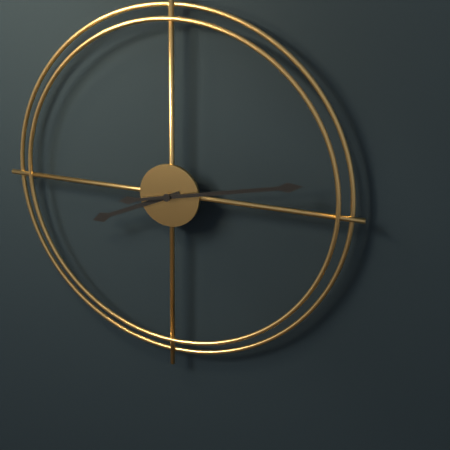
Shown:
8h13
